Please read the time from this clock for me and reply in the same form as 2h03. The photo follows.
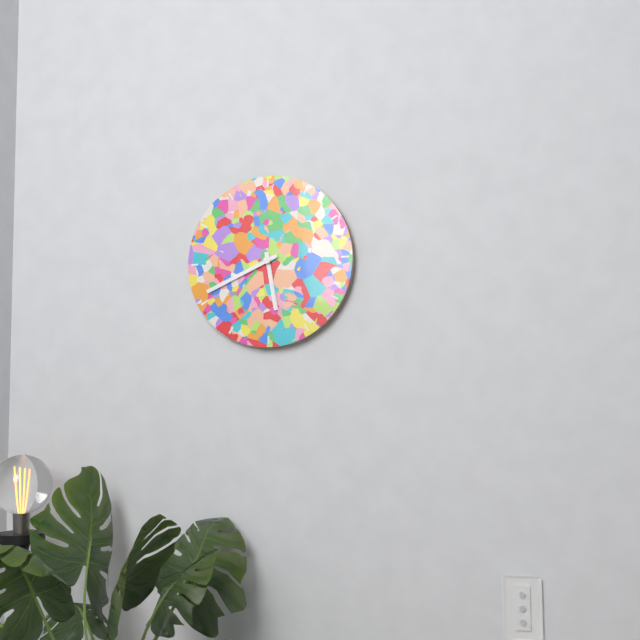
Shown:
5h41
